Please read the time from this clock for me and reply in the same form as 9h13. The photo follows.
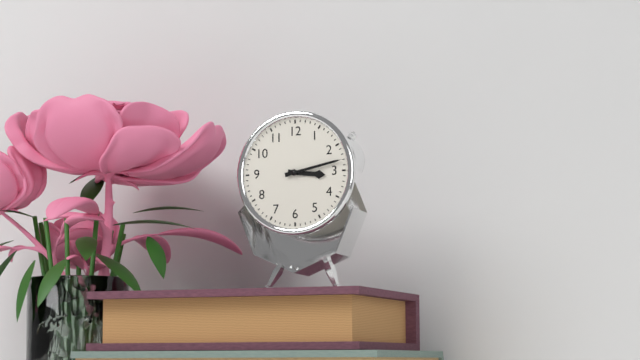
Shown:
3h13
